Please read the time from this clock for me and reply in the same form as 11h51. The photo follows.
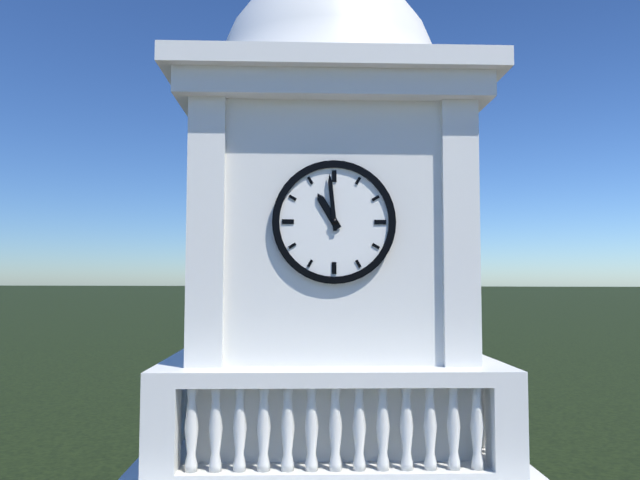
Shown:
10h59
